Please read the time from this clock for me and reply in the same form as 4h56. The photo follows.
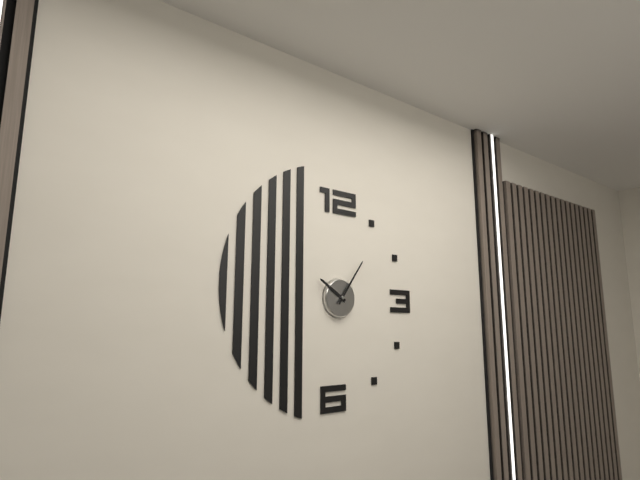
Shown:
10h06
